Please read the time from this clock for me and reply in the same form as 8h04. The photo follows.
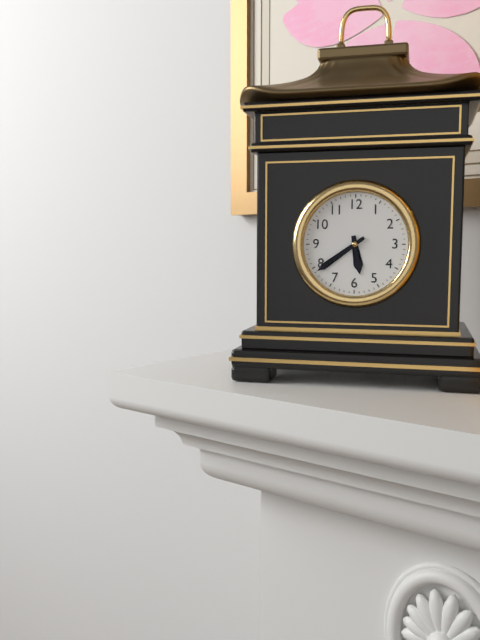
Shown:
5h39
